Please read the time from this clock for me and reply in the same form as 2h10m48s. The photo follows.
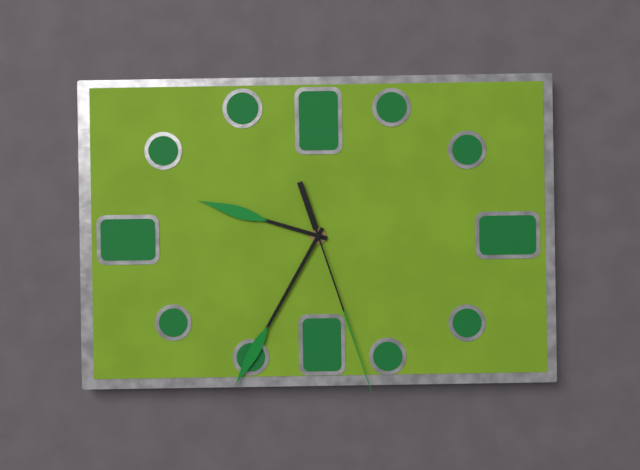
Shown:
9h35m27s
